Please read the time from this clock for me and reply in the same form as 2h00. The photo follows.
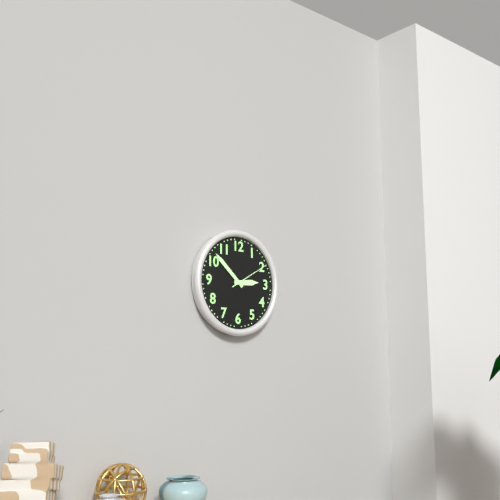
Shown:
2h52
